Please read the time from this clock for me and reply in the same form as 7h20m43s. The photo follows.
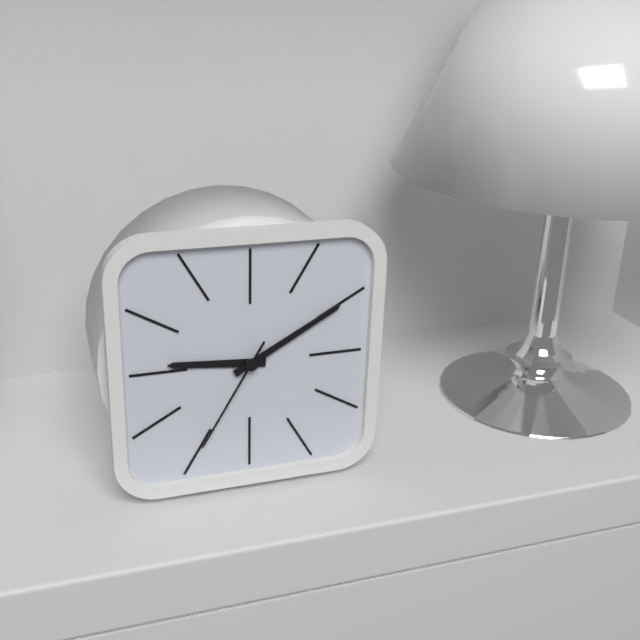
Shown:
9h10m35s
